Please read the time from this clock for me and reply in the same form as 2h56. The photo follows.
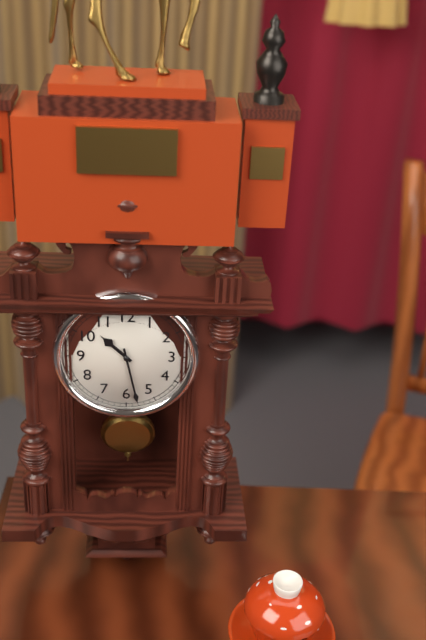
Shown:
10h28
